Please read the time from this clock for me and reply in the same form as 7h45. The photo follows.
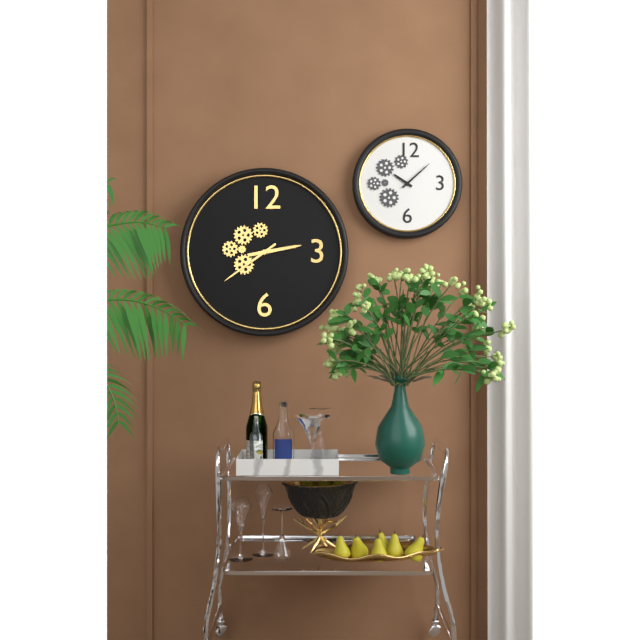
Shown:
2h39
